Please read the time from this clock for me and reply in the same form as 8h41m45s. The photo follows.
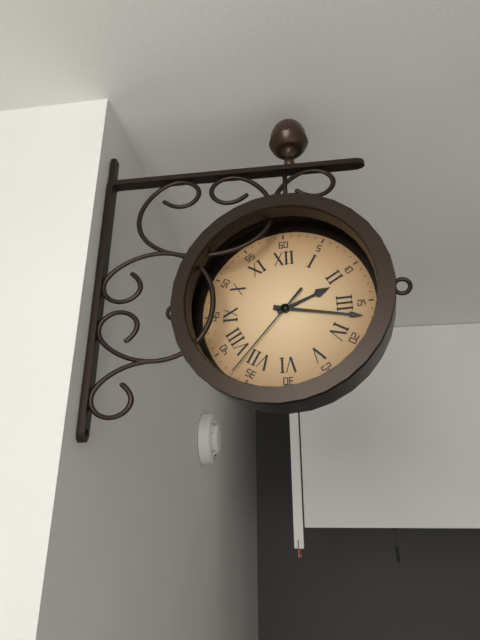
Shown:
2h17m37s
